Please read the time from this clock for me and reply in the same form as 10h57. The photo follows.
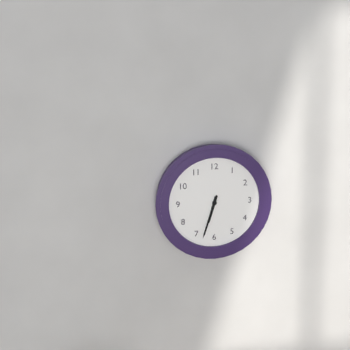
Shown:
6h33
